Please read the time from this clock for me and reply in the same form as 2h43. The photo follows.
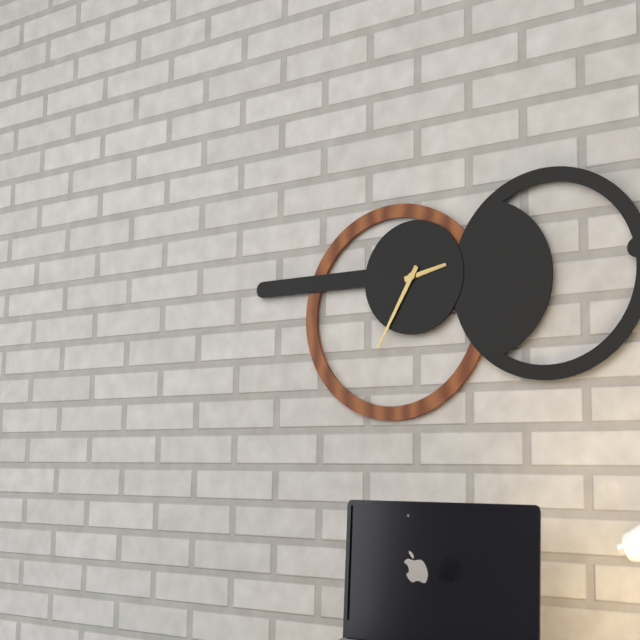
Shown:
2h35
